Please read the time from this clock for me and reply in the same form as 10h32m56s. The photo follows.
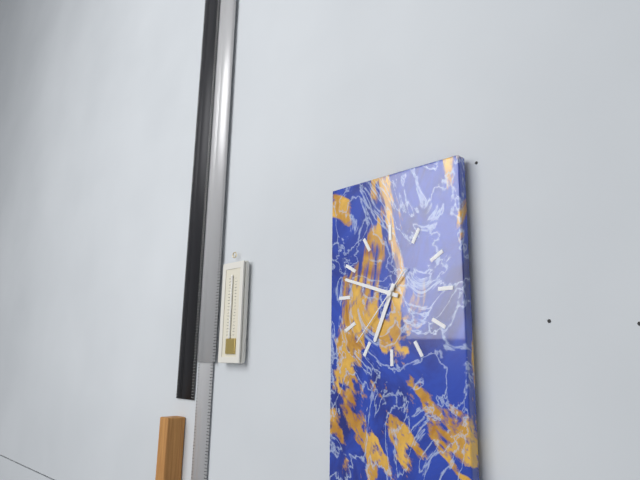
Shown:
6h48m37s
